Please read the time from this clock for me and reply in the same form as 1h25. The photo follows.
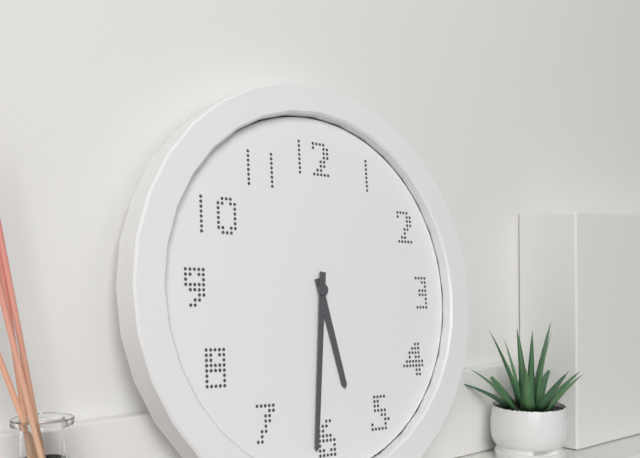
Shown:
5h31
